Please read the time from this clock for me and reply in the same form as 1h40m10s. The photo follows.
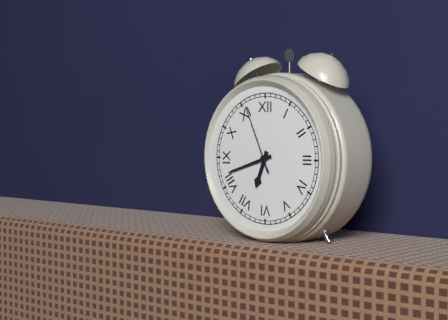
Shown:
6h42m56s
